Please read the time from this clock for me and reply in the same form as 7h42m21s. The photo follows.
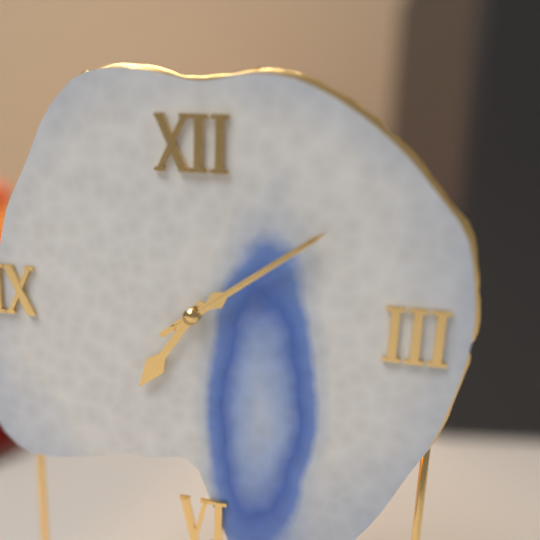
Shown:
7h09m09s
